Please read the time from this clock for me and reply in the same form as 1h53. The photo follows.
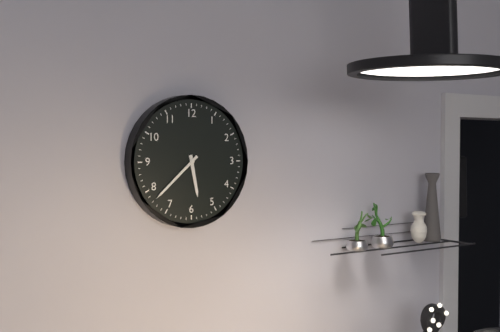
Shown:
5h38
